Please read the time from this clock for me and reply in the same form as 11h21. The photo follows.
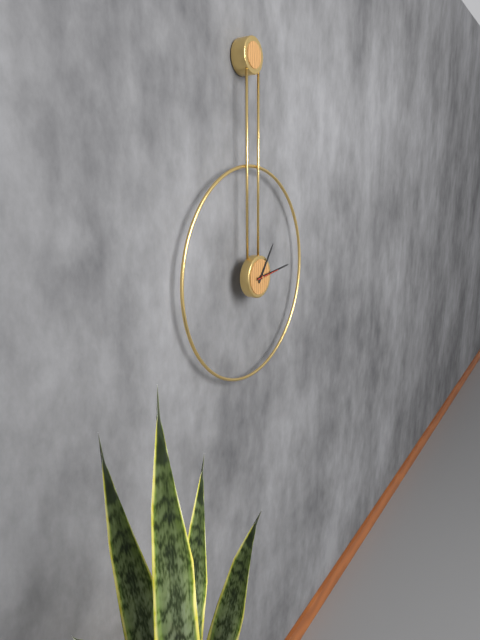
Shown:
1h14
